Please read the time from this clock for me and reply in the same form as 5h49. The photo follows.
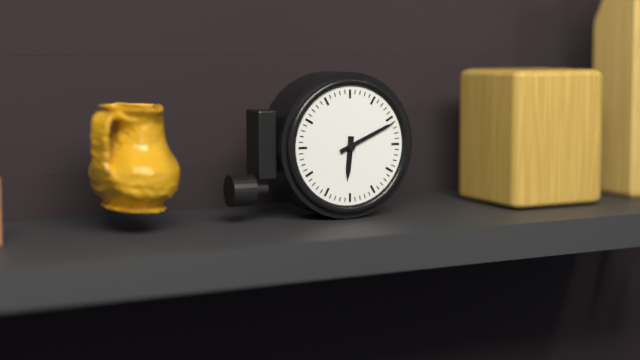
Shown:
6h11
